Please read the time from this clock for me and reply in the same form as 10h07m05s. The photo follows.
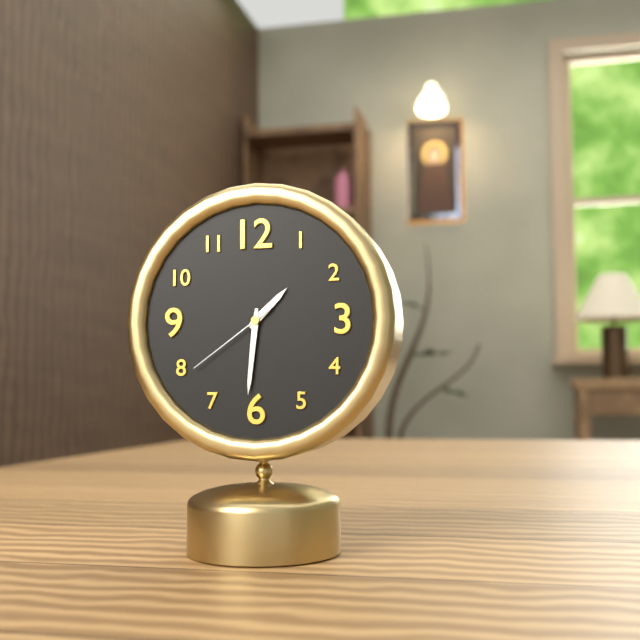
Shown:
1h31m39s
